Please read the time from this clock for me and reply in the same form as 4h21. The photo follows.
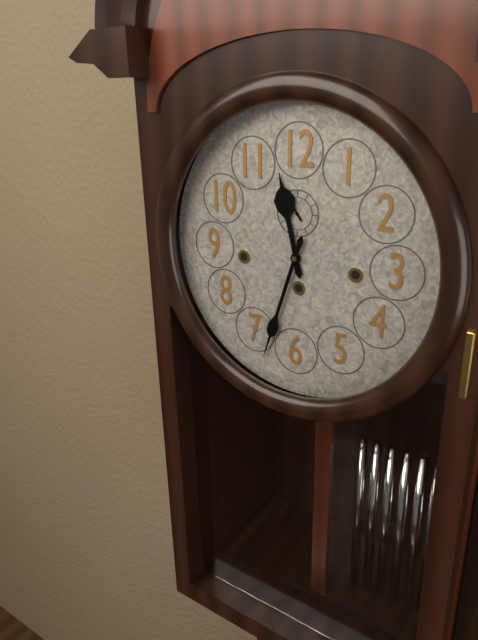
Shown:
11h33
